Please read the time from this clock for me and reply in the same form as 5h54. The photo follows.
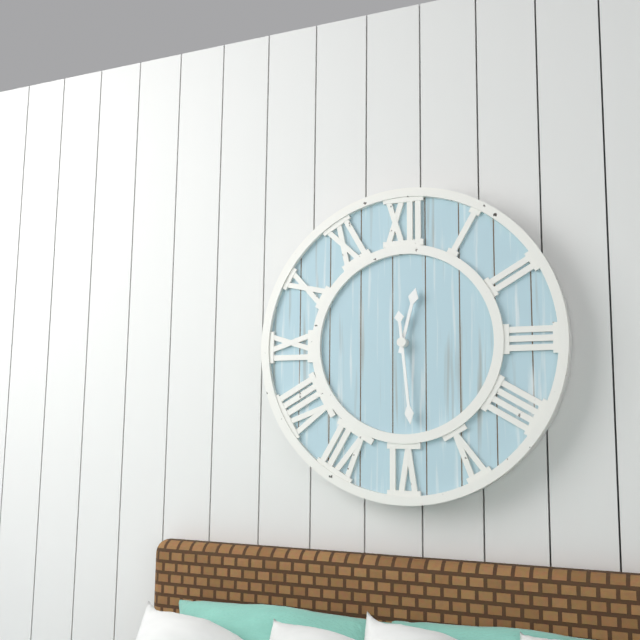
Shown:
12h29
